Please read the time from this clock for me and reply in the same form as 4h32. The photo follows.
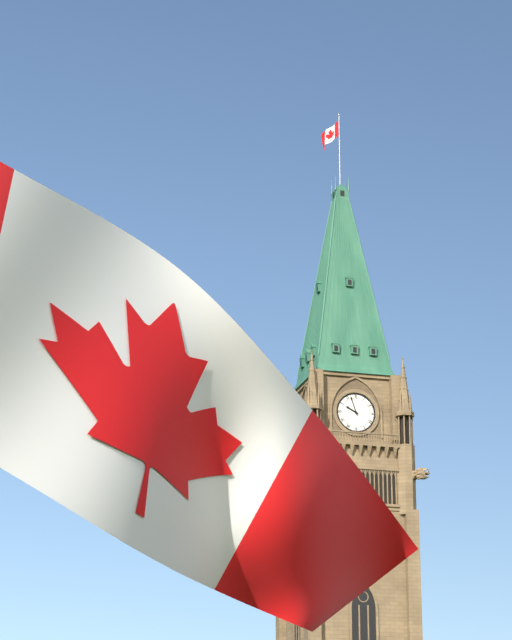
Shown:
9h57
